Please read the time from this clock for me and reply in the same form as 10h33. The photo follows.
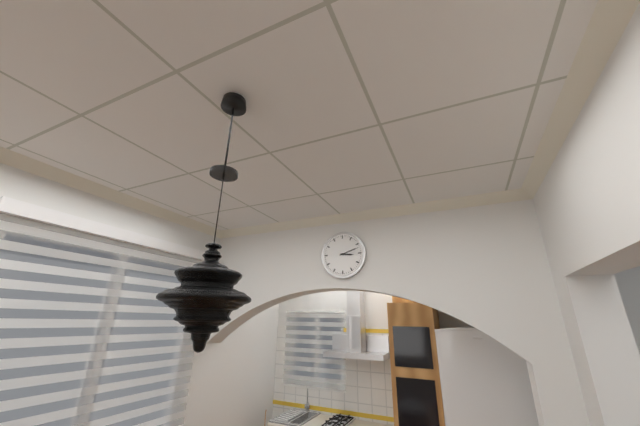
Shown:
3h12
